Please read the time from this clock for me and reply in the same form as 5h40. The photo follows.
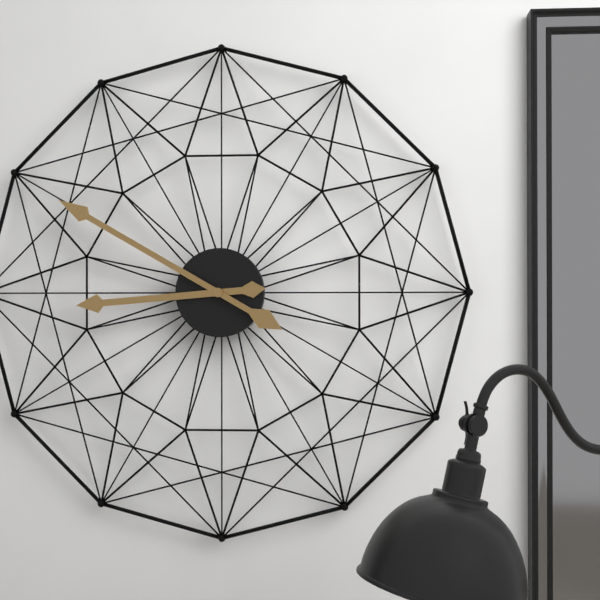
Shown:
8h50
